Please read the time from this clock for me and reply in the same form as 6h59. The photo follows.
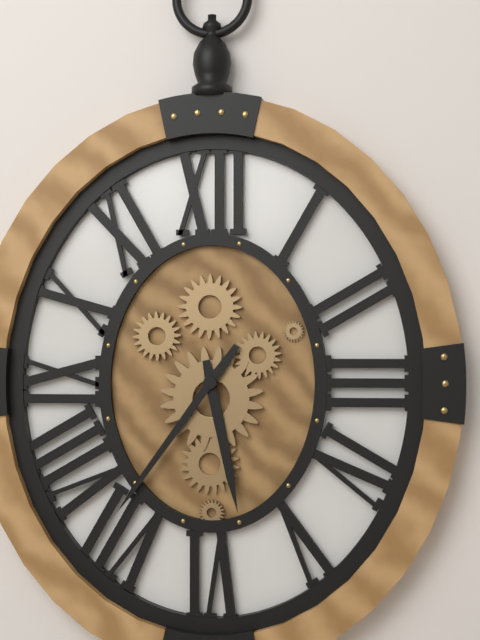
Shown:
5h36
